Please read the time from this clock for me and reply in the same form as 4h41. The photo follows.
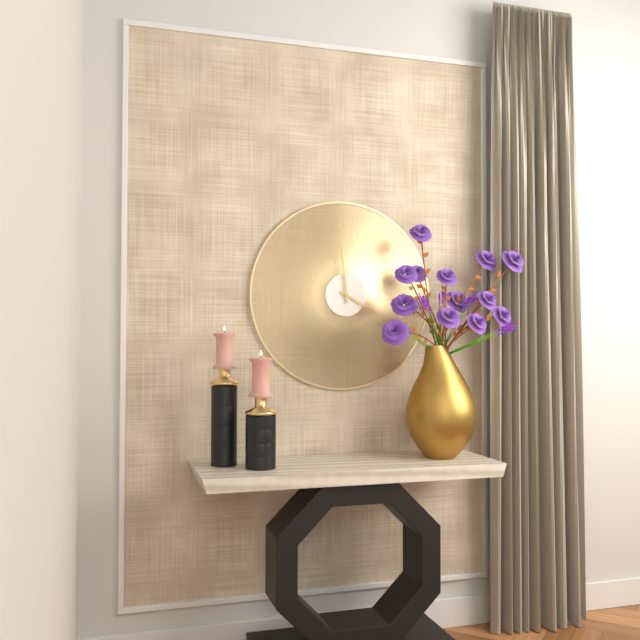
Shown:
3h59
